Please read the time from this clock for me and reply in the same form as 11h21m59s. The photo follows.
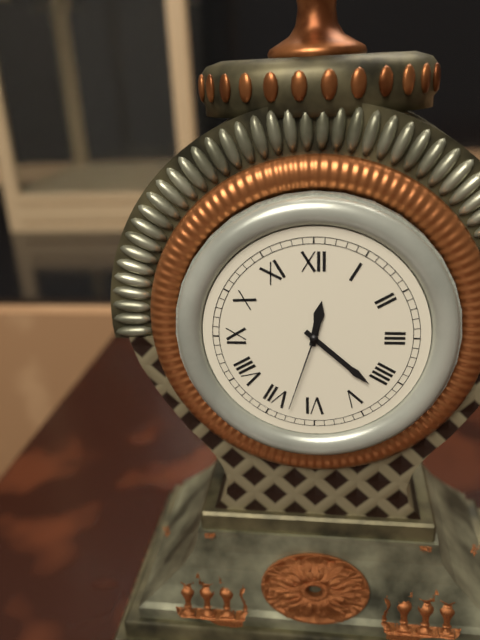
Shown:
12h22m33s
